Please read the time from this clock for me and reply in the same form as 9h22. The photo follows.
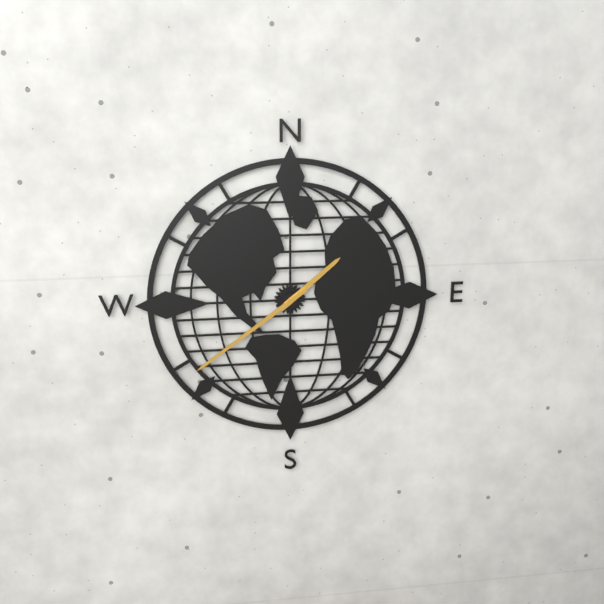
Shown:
1h39
